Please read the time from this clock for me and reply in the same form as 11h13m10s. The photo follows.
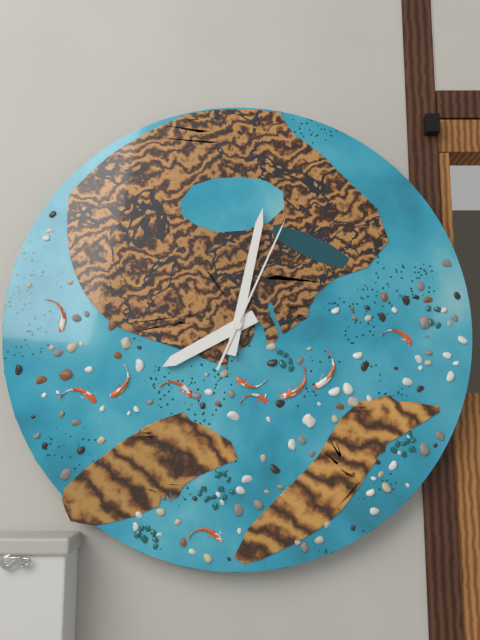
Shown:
8h02m04s
